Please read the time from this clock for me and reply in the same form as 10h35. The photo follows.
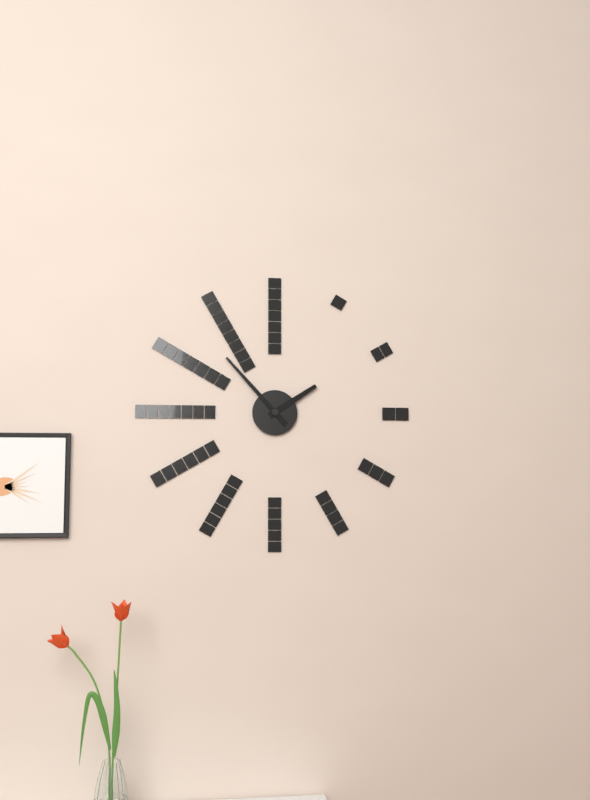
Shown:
1h53
